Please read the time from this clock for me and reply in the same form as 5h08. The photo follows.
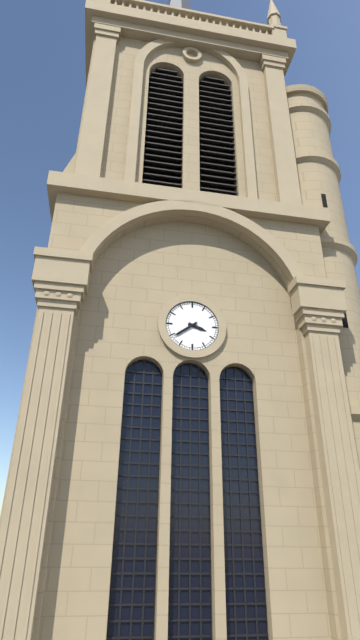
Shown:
3h39
